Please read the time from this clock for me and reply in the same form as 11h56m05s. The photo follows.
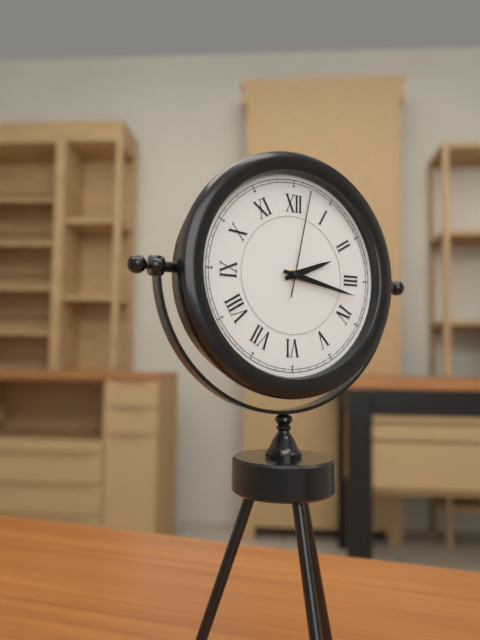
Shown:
2h17m02s
